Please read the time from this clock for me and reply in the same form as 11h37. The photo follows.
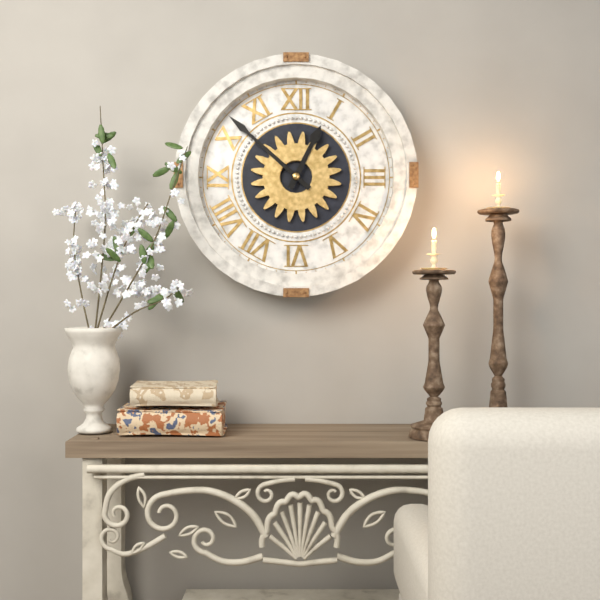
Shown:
12h52
